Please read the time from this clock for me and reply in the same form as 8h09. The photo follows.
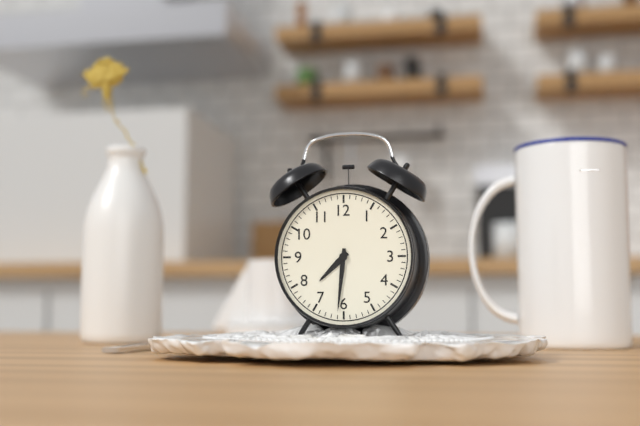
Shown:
7h31
